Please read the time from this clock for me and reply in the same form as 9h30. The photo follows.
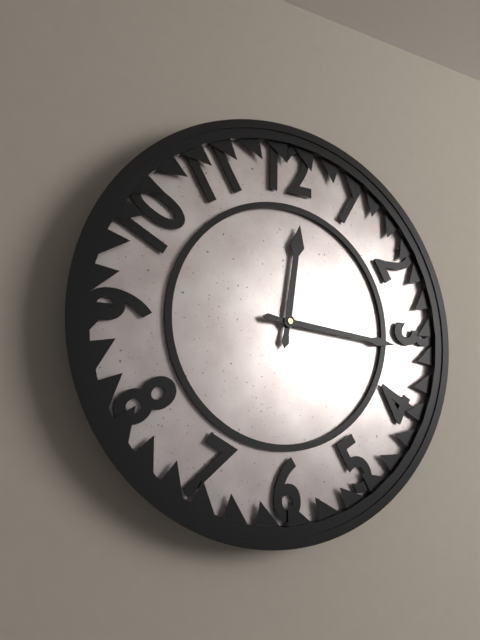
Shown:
12h16
